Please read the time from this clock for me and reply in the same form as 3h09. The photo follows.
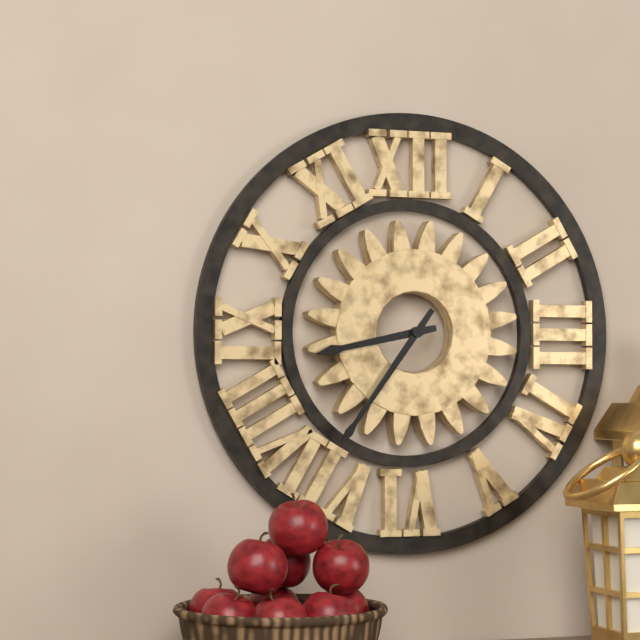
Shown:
8h36
